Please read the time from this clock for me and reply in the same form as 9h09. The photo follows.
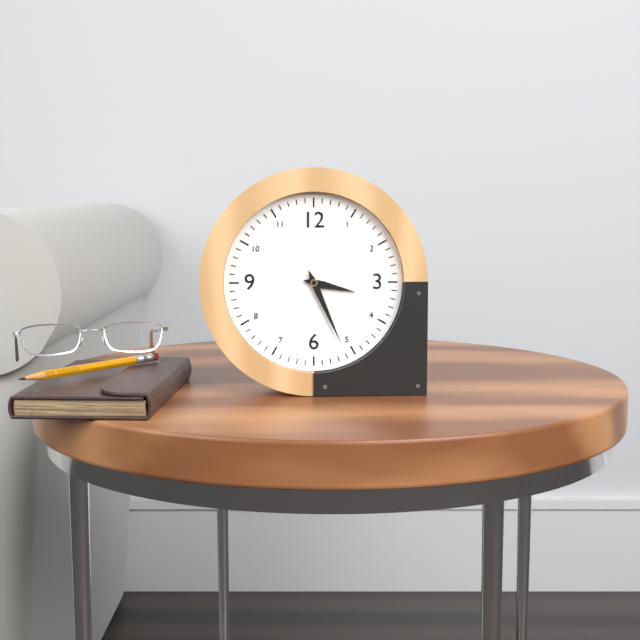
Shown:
3h26
